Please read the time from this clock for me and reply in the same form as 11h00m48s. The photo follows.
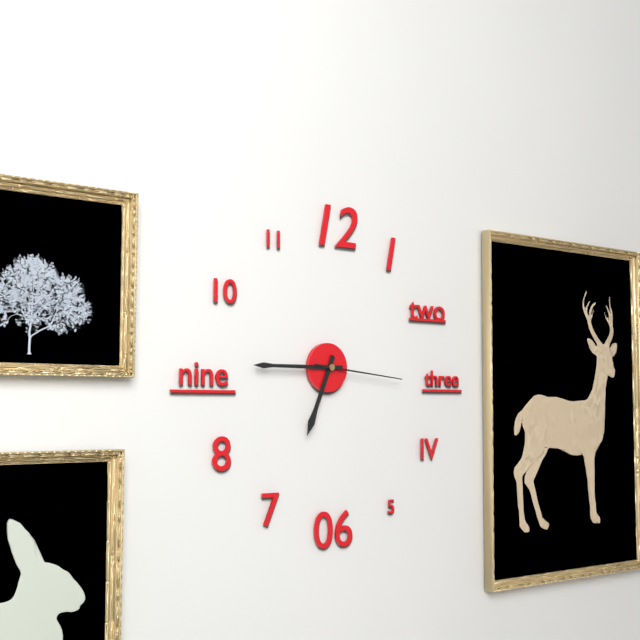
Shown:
6h45m16s
